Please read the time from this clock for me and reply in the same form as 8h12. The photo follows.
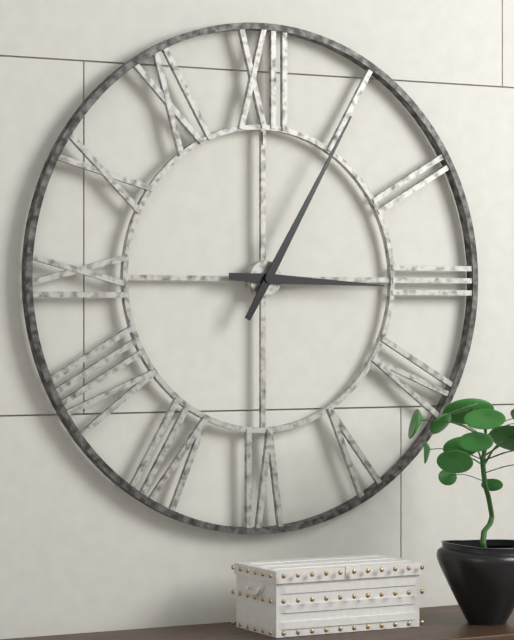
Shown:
3h05
